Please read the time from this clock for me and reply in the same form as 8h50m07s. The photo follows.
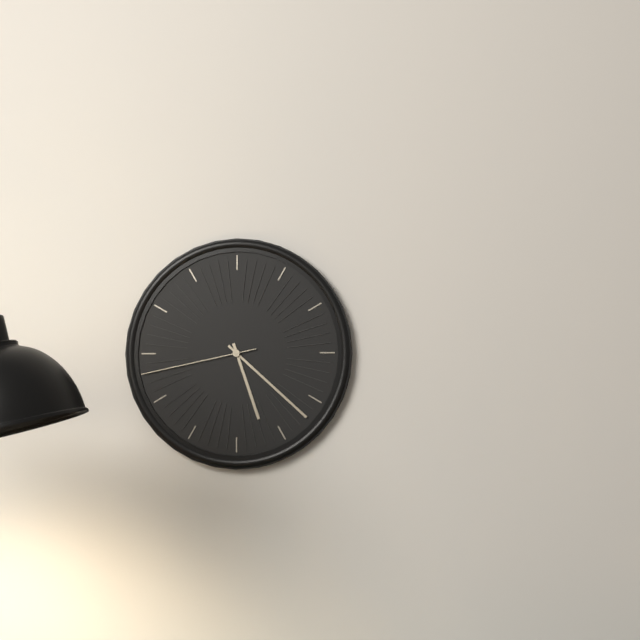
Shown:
5h22m43s
